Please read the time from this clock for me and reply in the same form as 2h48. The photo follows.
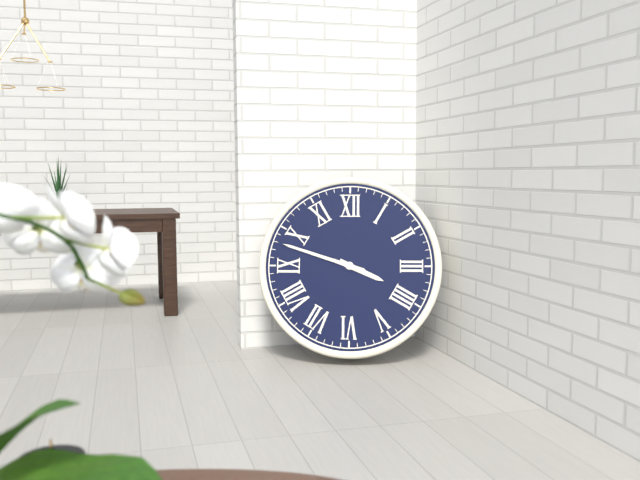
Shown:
3h48
